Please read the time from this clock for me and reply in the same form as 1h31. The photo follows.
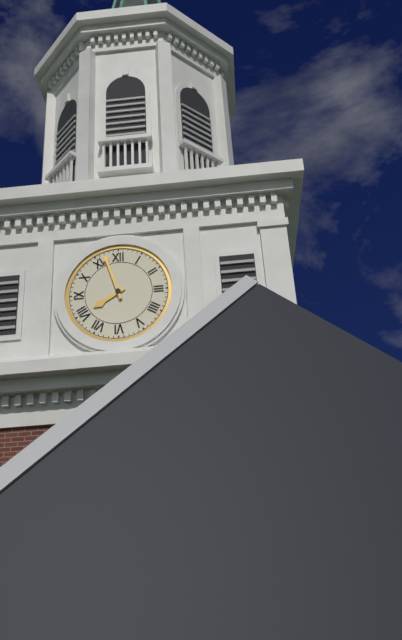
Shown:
7h57
